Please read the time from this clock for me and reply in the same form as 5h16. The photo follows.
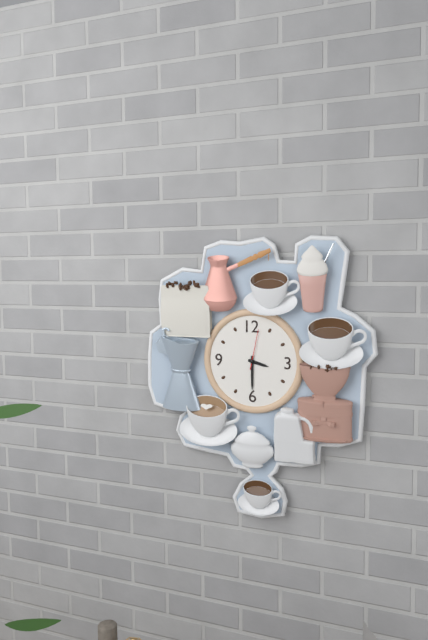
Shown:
3h30
